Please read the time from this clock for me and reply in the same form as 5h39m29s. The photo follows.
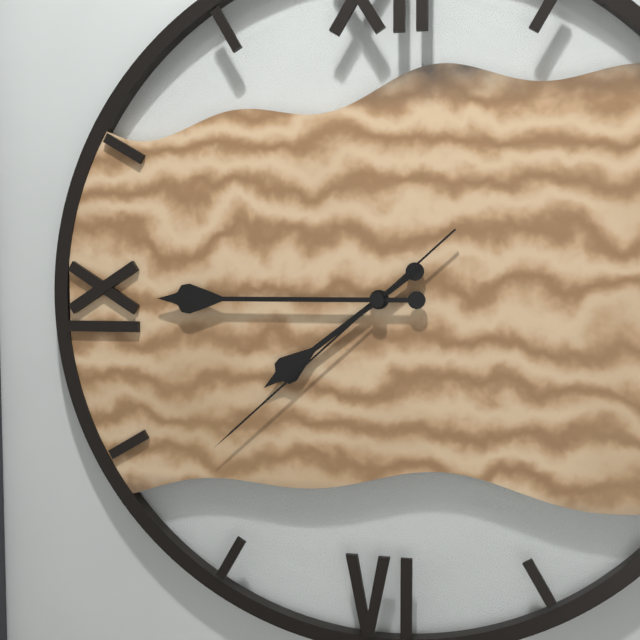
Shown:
7h45m38s
